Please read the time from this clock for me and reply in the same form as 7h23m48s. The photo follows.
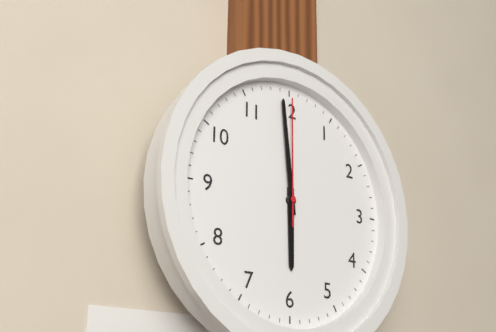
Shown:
5h59m00s
